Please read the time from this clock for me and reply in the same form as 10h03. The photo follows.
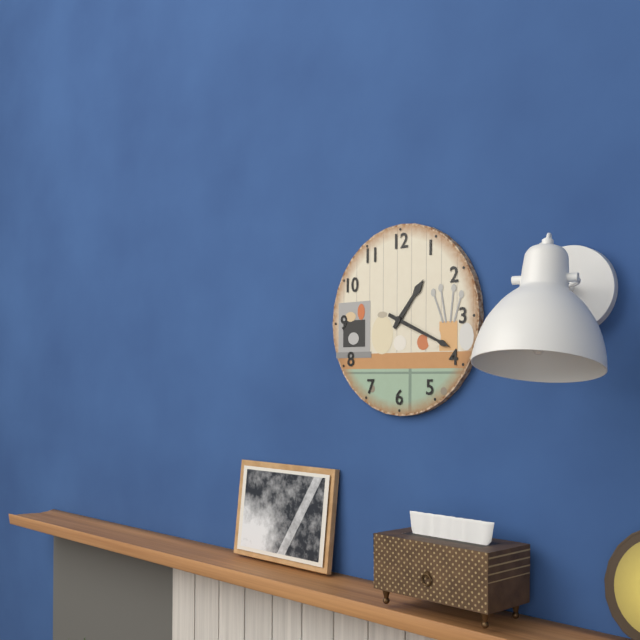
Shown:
1h19
